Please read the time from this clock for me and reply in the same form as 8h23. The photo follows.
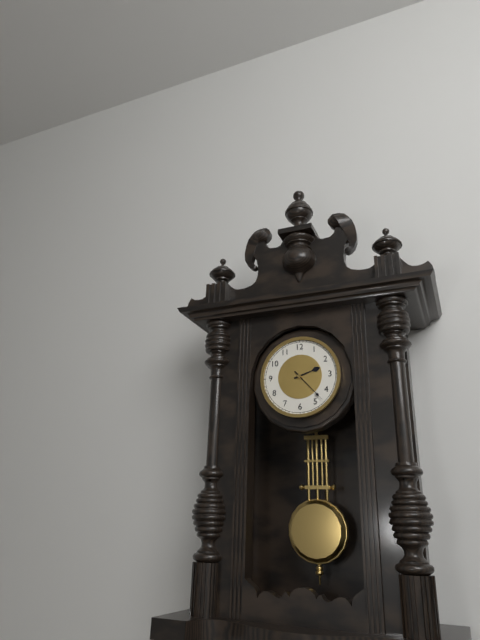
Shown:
2h23
